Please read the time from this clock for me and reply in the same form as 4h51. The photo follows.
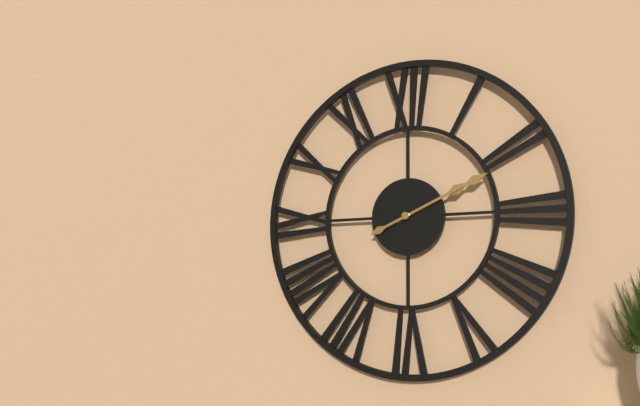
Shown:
2h11
